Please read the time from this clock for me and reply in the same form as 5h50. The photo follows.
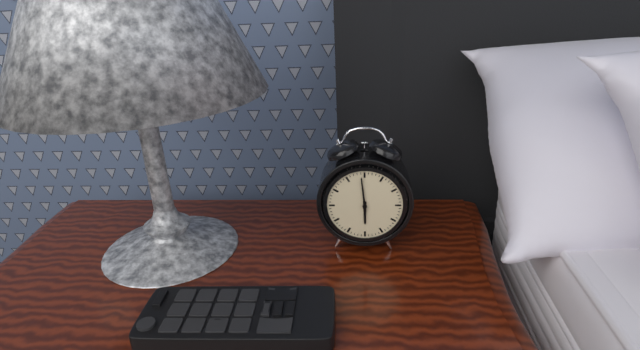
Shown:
5h59
